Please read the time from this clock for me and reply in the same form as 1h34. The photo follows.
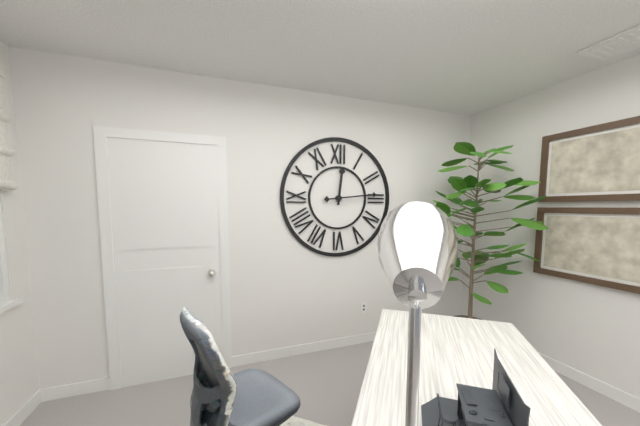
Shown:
12h14
